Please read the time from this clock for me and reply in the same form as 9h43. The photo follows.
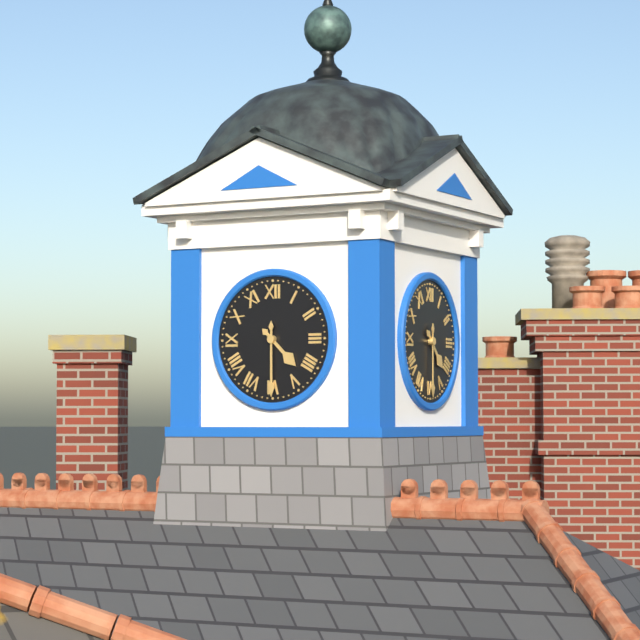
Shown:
4h30
